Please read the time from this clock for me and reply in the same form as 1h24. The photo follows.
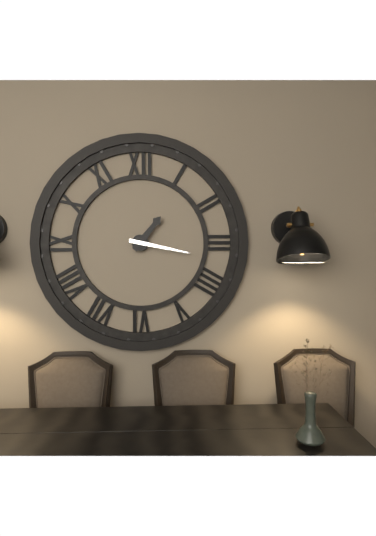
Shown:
1h17
